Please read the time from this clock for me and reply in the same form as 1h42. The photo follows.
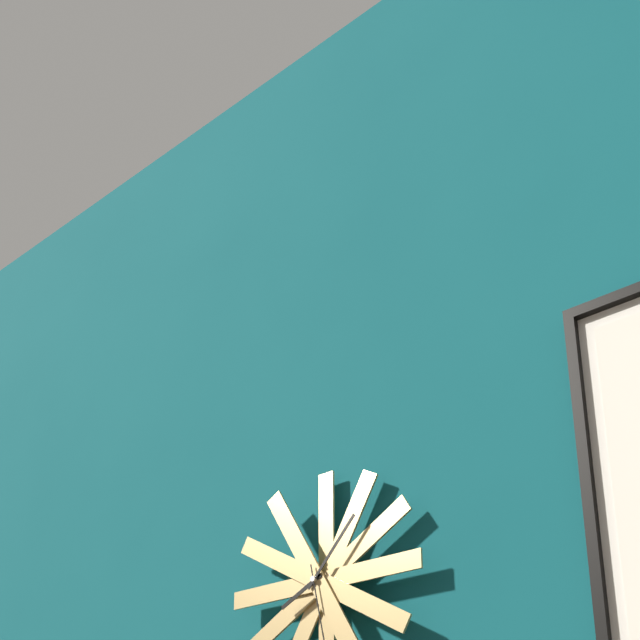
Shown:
8h07
